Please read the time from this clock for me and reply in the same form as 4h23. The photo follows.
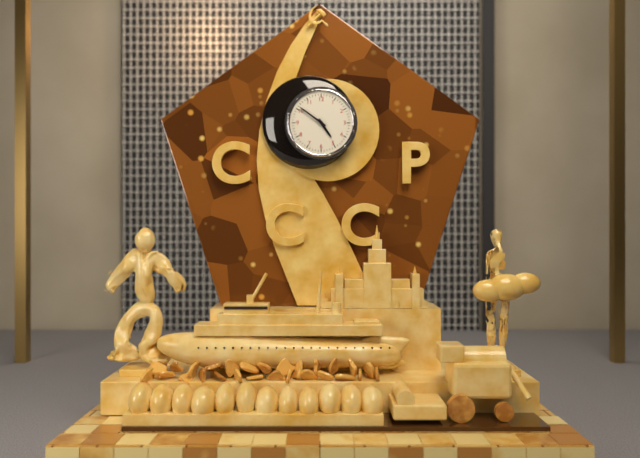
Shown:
4h51
